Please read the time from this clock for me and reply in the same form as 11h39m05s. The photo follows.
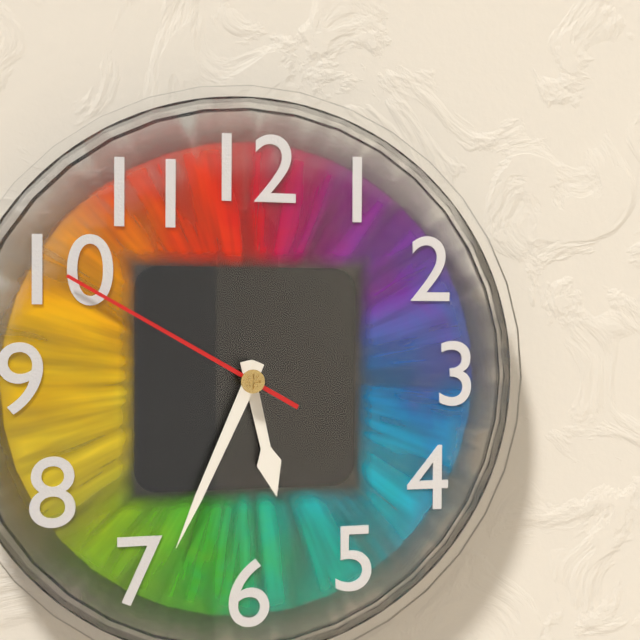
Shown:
5h34m50s
